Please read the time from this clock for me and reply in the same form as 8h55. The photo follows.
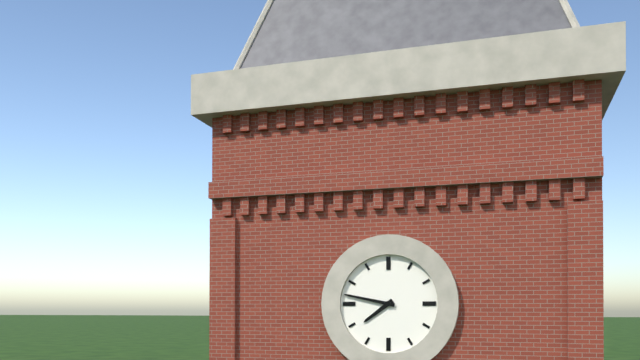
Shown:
7h47
